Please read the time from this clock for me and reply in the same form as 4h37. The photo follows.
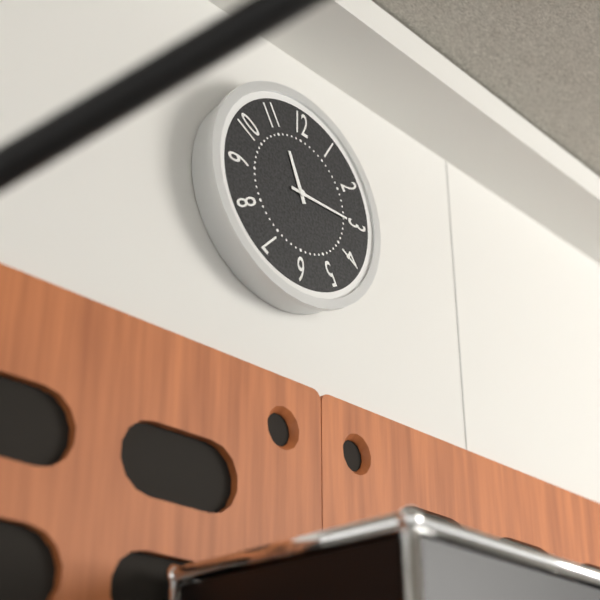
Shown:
11h15
